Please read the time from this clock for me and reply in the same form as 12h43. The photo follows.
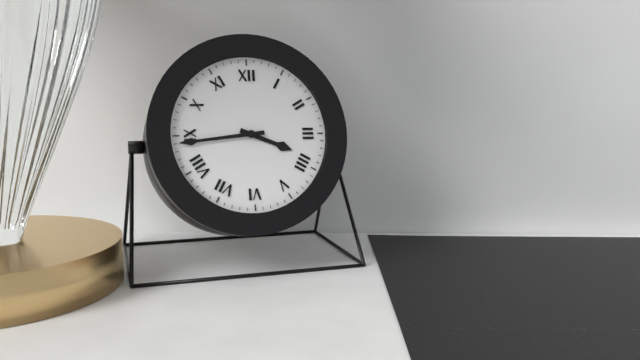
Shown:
3h44
